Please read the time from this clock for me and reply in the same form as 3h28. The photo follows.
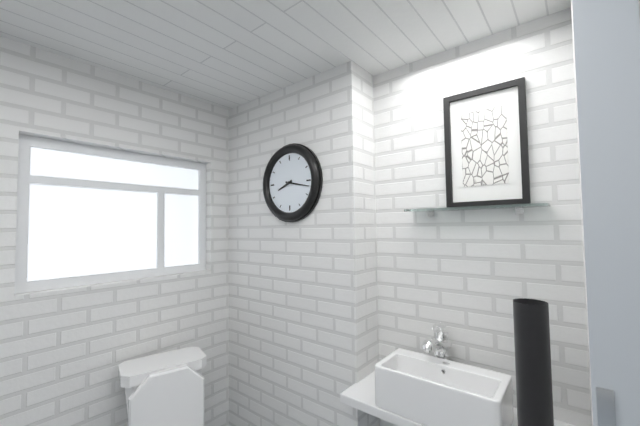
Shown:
8h17
